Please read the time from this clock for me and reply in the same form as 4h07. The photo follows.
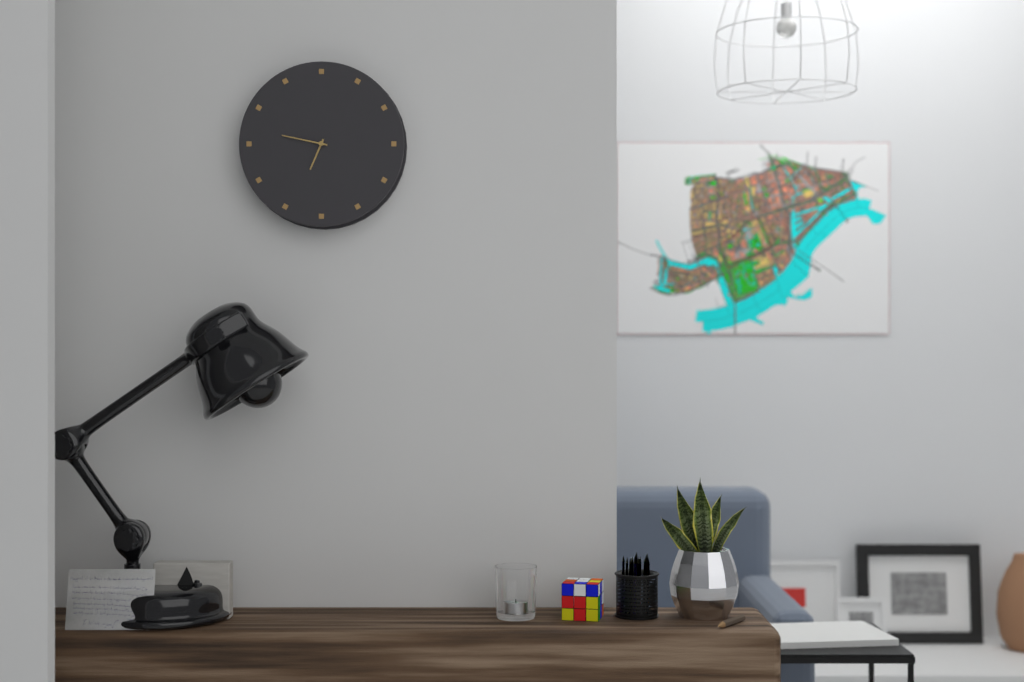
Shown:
6h47
